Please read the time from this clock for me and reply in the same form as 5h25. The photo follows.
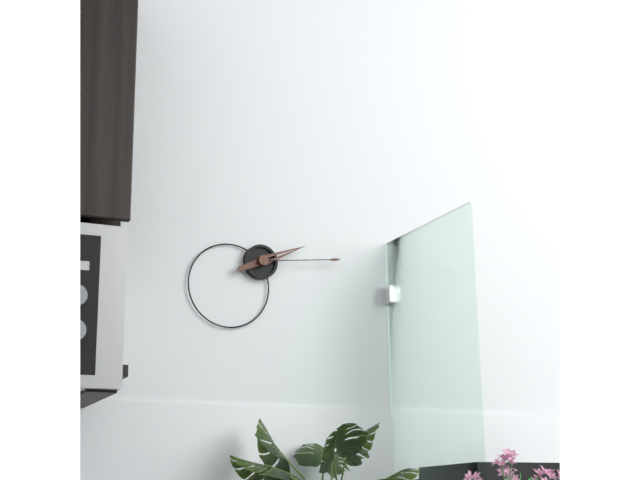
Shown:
2h14
